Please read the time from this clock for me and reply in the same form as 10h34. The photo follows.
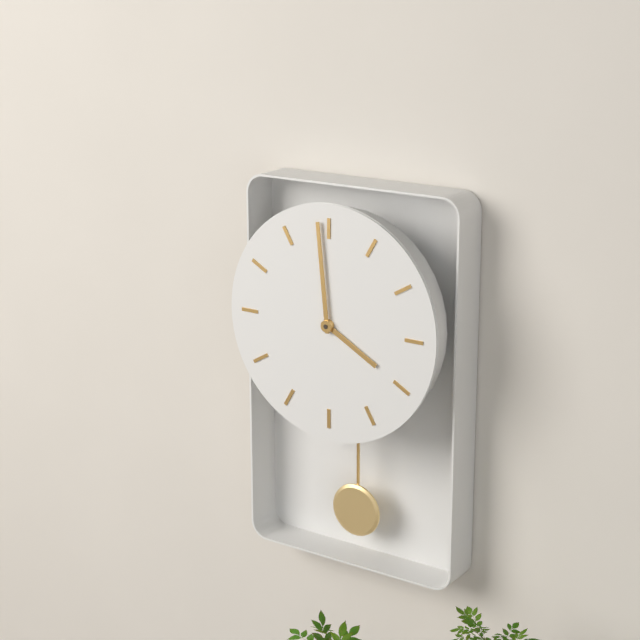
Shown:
3h59
